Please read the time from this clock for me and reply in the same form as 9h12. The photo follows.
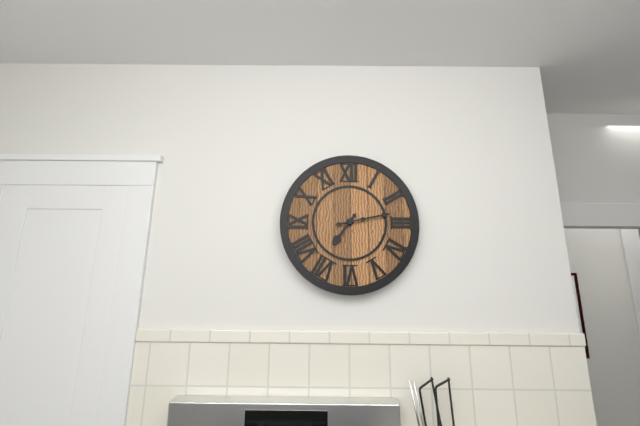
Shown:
7h13
